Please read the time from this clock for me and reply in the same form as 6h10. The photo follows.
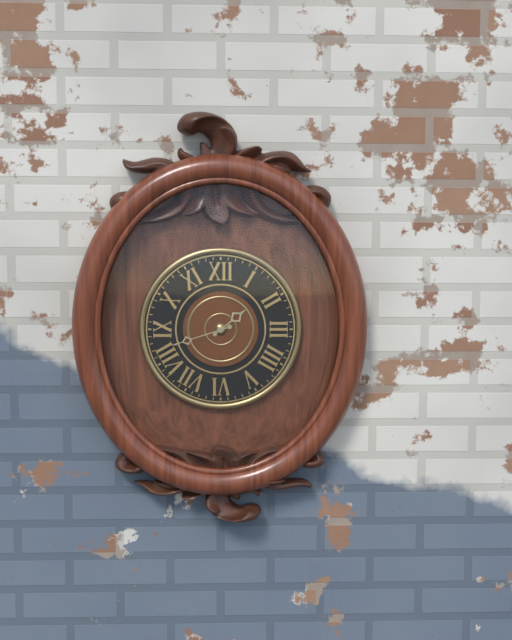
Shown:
1h42
